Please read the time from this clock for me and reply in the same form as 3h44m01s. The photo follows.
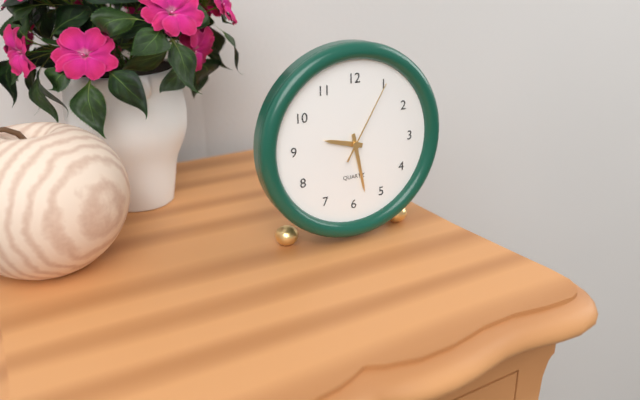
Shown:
9h28m05s
